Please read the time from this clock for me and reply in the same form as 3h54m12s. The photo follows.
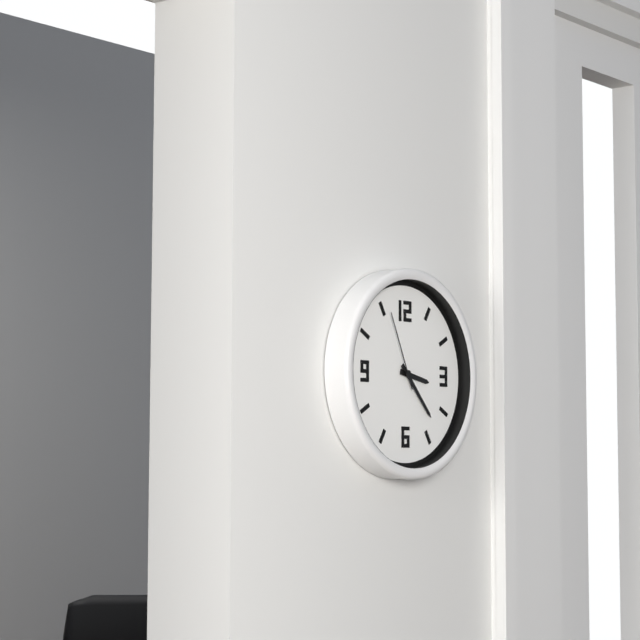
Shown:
3h23m56s
